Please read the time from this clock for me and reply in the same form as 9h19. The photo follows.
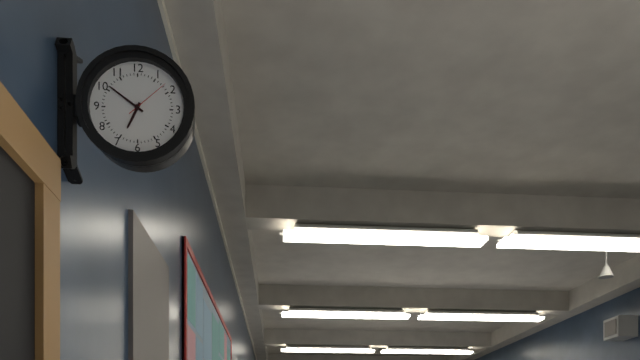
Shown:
6h51
